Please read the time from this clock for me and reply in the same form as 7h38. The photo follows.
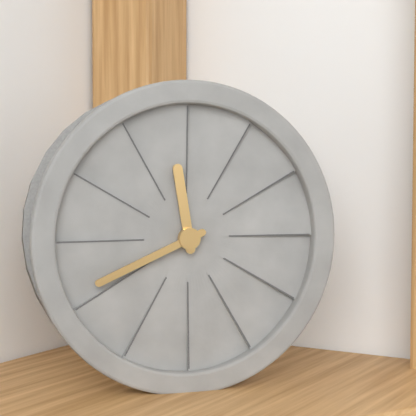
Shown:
11h41
